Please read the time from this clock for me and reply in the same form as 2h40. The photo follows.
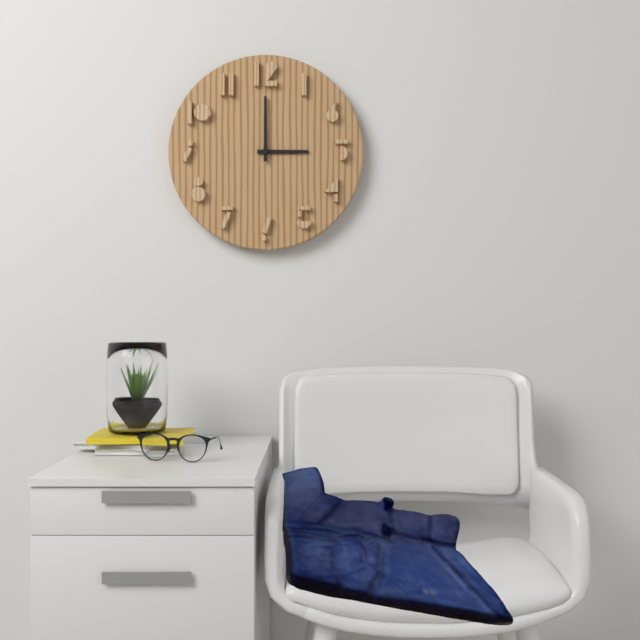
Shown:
3h00
